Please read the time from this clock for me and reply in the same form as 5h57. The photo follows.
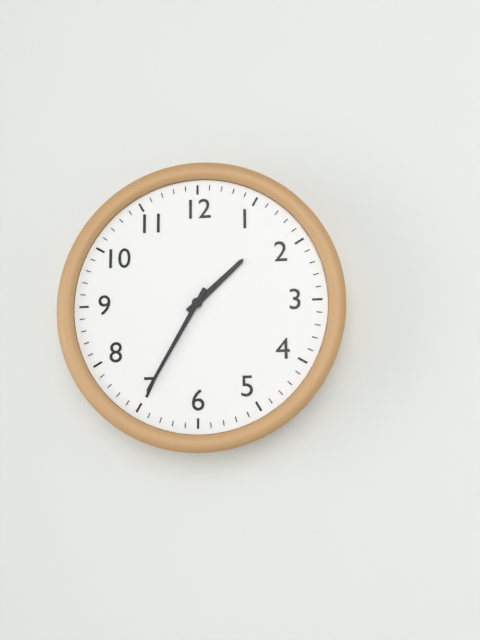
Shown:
1h35
